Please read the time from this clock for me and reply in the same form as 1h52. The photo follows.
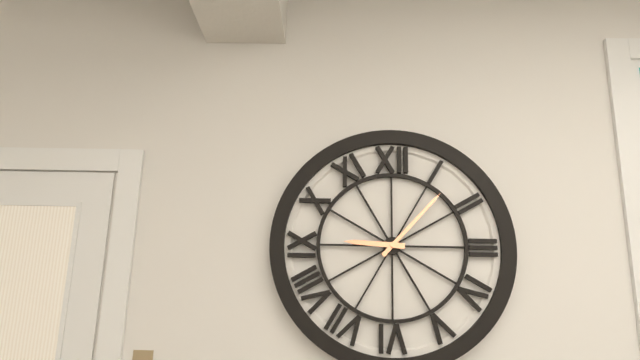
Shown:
9h07
